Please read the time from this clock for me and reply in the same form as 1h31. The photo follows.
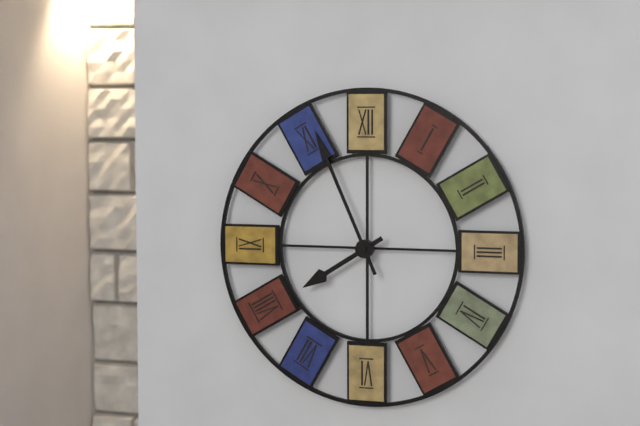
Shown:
7h56
